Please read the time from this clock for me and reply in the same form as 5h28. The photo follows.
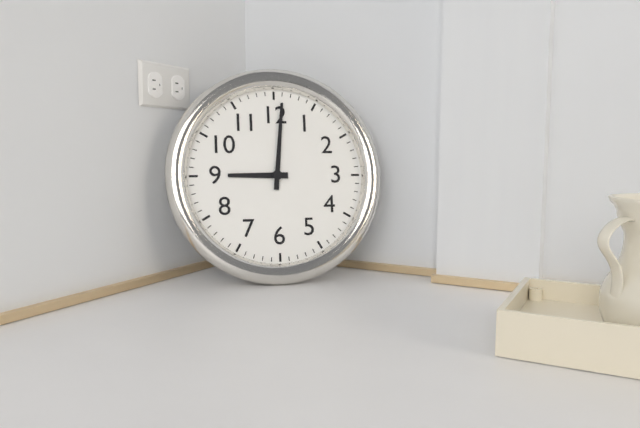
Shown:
9h01
